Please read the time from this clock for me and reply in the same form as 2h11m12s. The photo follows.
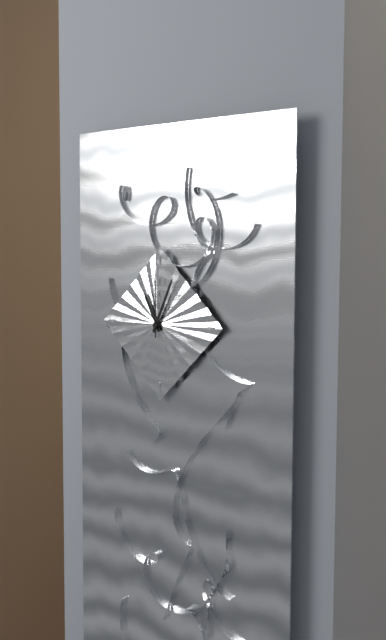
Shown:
11h04m00s
